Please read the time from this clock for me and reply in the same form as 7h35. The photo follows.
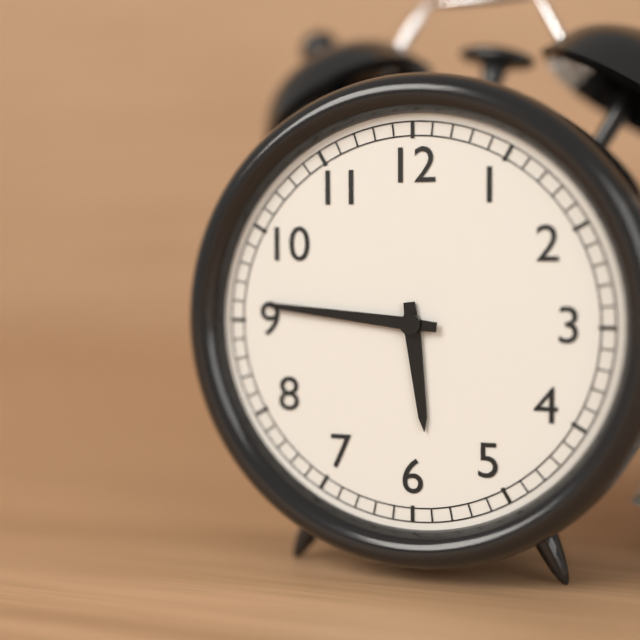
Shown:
5h46
